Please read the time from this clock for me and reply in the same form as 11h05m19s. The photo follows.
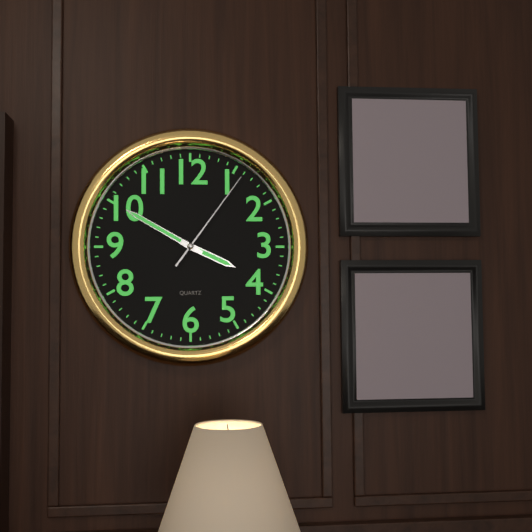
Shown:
3h50m06s
